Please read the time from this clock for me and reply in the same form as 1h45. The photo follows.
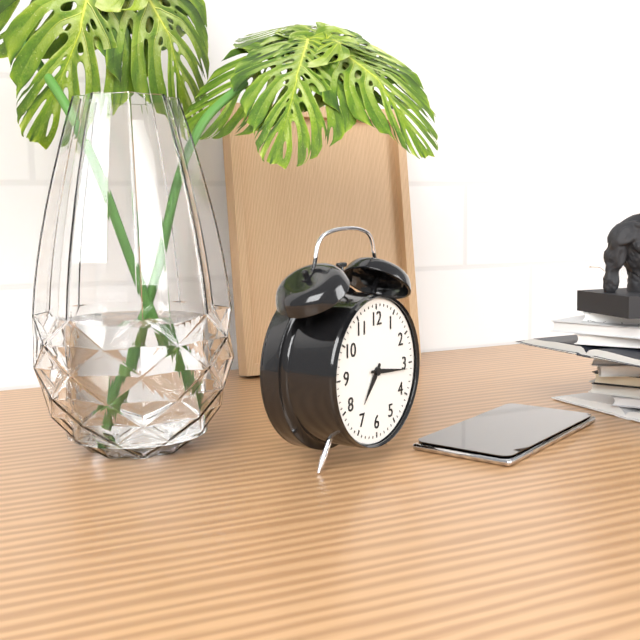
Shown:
7h16
